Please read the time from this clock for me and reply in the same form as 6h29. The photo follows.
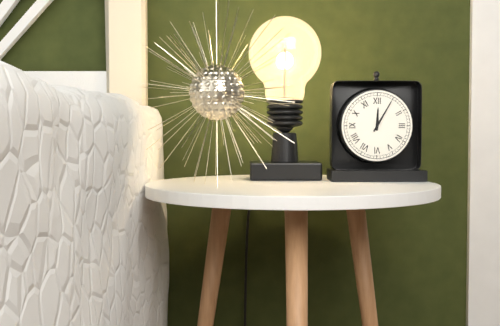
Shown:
12h05
